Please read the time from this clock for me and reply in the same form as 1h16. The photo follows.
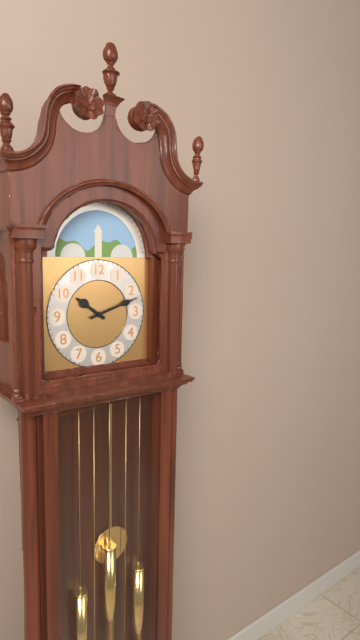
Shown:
10h12
